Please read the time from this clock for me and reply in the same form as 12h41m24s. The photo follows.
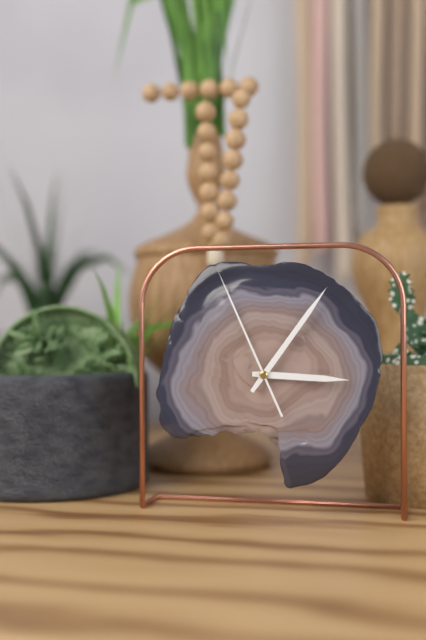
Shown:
3h06m56s
